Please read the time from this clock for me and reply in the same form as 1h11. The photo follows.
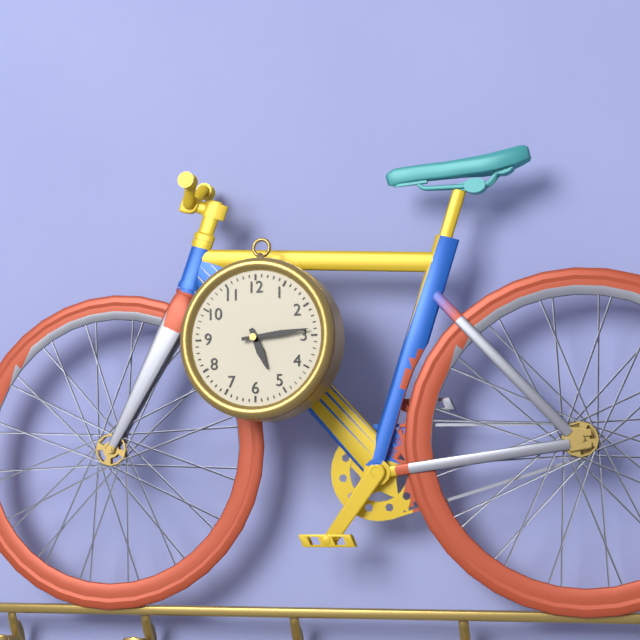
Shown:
5h14
